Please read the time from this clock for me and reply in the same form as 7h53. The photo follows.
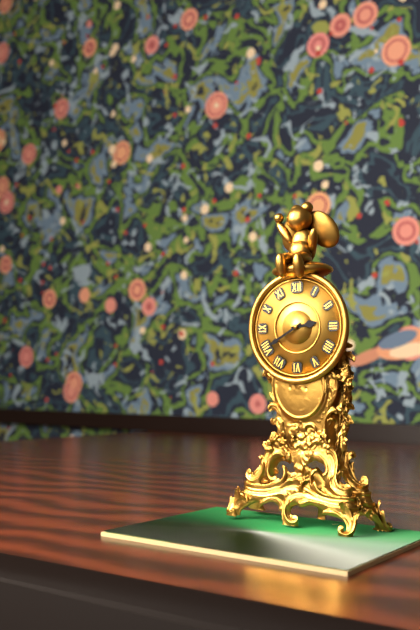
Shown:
2h40
